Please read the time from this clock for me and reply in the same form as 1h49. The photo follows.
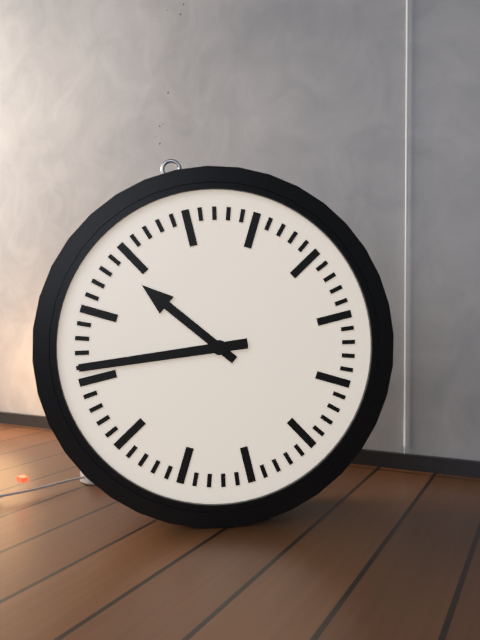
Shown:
10h46
